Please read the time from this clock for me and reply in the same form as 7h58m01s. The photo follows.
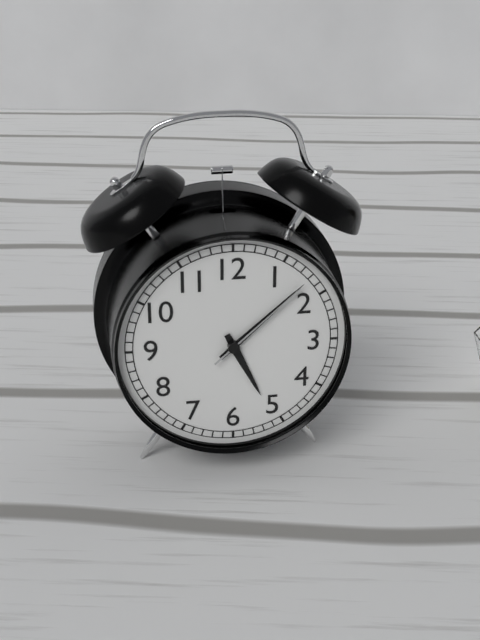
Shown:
5h08m08s
